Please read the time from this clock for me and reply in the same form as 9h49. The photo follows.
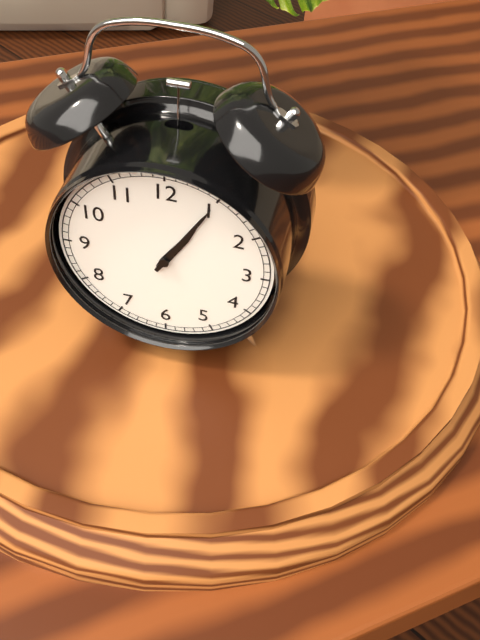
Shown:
1h05
